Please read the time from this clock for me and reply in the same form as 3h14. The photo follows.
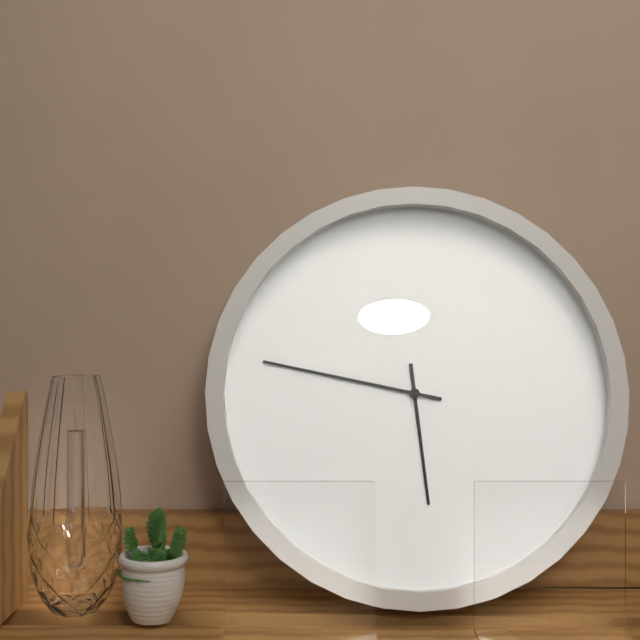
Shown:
5h47
